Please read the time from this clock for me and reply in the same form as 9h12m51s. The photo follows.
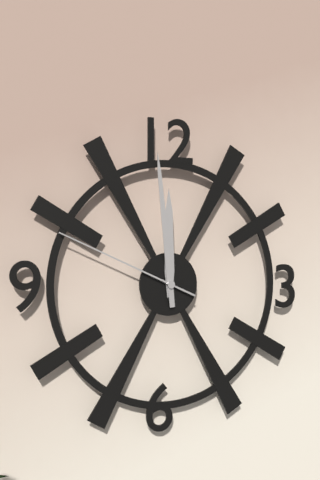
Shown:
11h59m49s
